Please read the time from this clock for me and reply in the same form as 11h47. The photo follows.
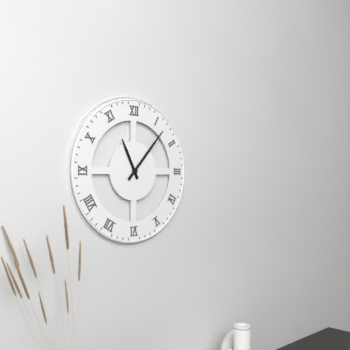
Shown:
11h07
